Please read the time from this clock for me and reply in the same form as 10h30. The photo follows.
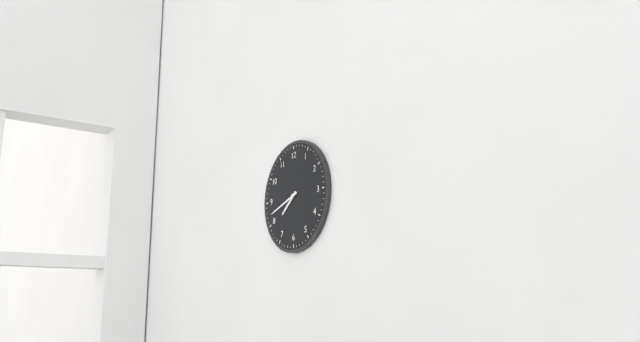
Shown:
7h42
